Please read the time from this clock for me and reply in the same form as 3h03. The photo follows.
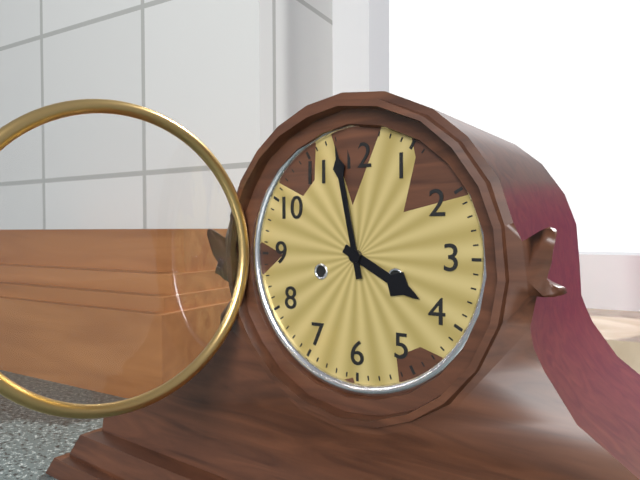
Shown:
3h58
